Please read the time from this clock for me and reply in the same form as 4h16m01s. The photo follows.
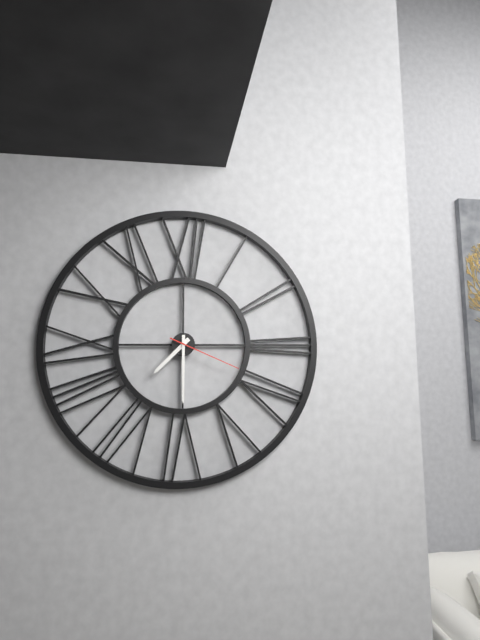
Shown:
7h30m19s
